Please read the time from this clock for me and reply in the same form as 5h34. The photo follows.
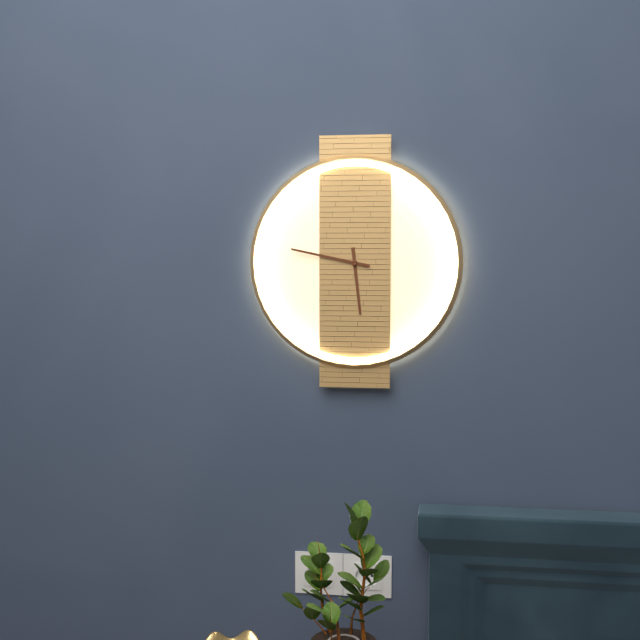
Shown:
5h47
